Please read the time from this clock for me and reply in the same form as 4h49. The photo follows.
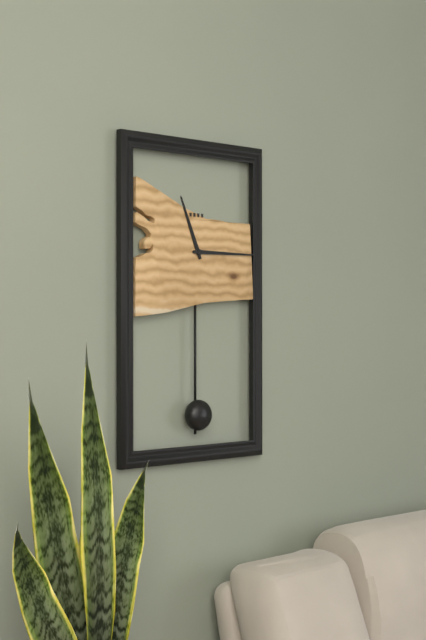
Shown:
11h15
